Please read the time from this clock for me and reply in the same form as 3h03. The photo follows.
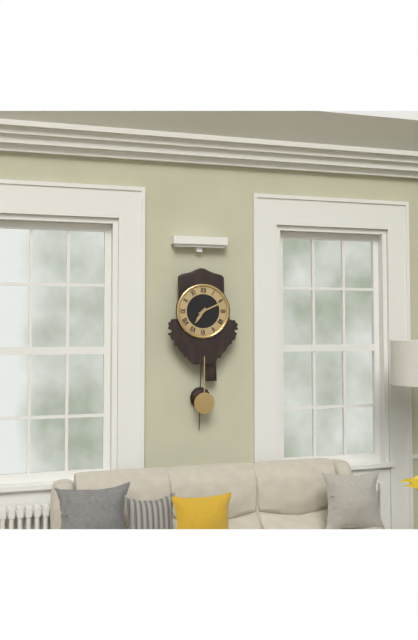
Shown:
7h11
